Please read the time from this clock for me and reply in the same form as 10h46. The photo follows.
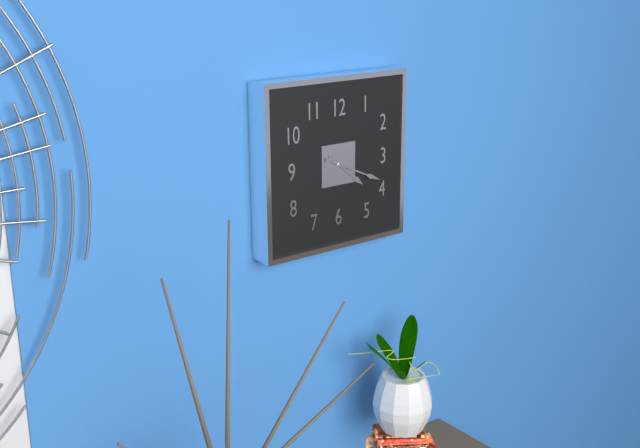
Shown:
4h19
